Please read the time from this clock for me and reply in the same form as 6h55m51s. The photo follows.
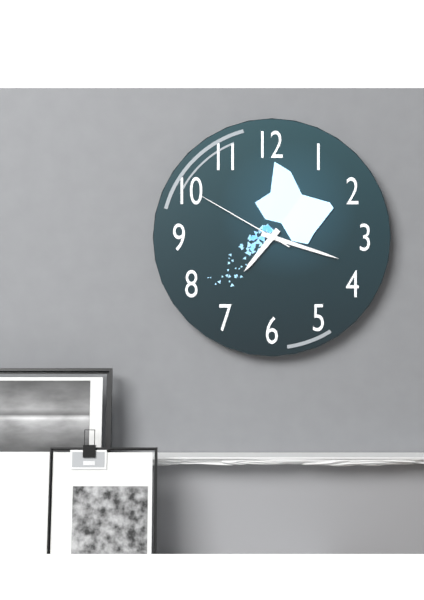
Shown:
7h18m50s
